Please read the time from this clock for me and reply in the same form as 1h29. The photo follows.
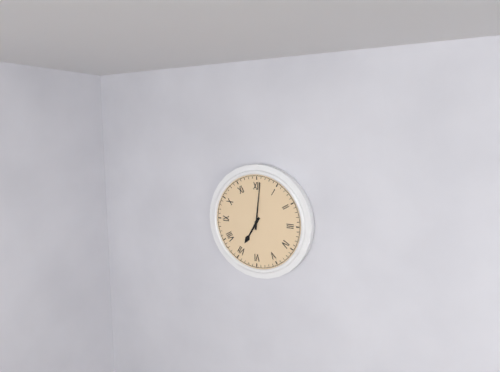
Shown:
7h01
